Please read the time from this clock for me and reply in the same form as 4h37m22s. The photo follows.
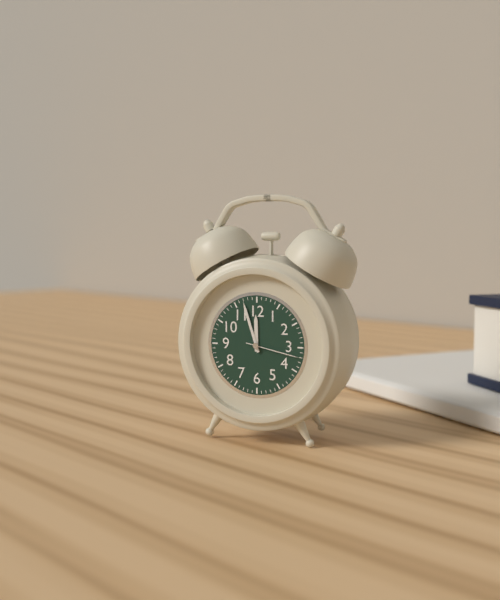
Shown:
11h57m17s
